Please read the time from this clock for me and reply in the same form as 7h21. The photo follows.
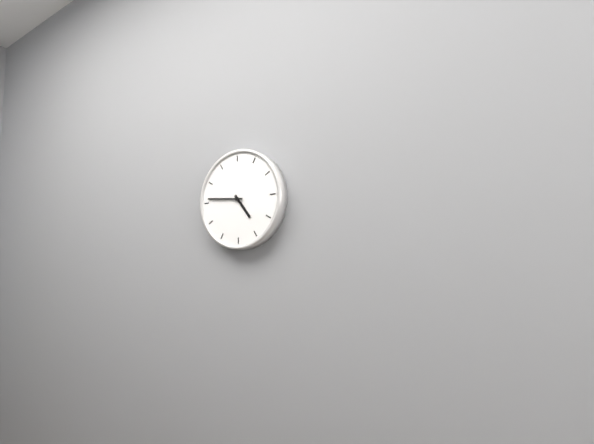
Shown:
4h46
